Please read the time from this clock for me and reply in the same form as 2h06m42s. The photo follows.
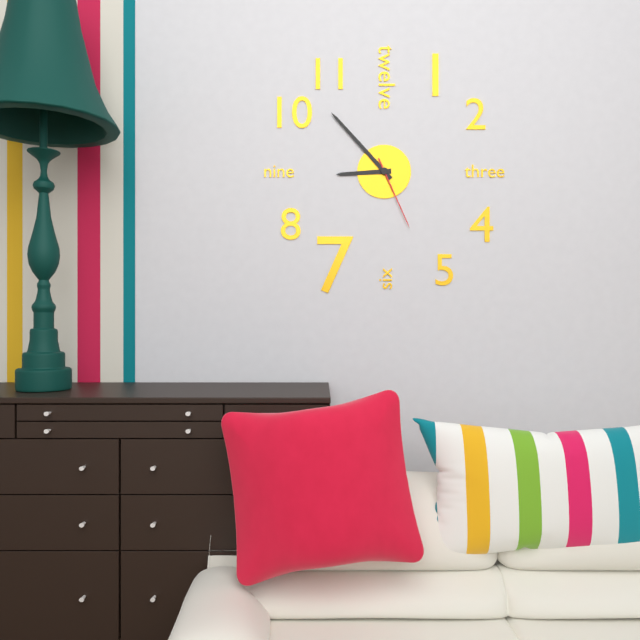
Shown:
8h53m26s
